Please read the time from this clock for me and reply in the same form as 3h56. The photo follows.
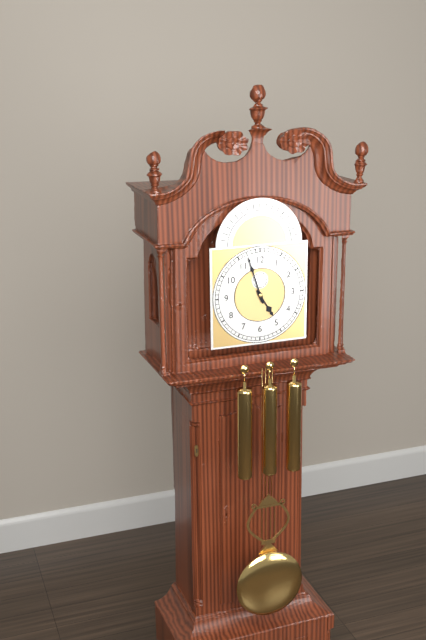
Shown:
4h57
